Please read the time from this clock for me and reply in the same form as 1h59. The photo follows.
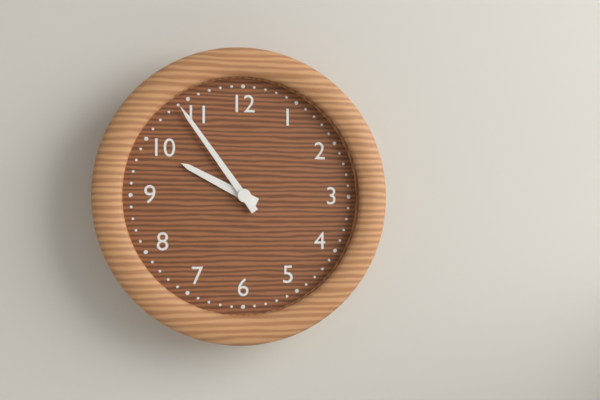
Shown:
9h54
